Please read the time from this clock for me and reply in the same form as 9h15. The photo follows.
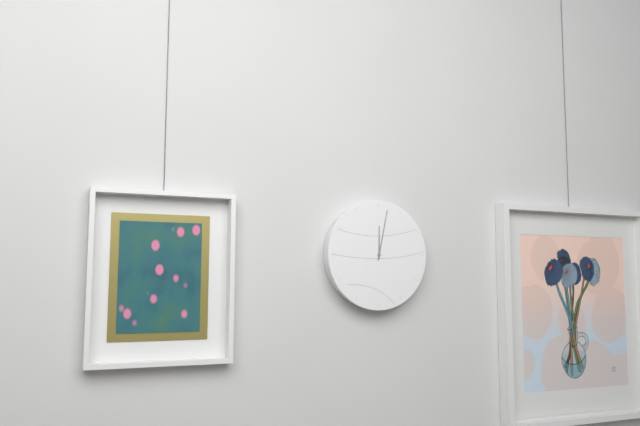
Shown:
12h02
